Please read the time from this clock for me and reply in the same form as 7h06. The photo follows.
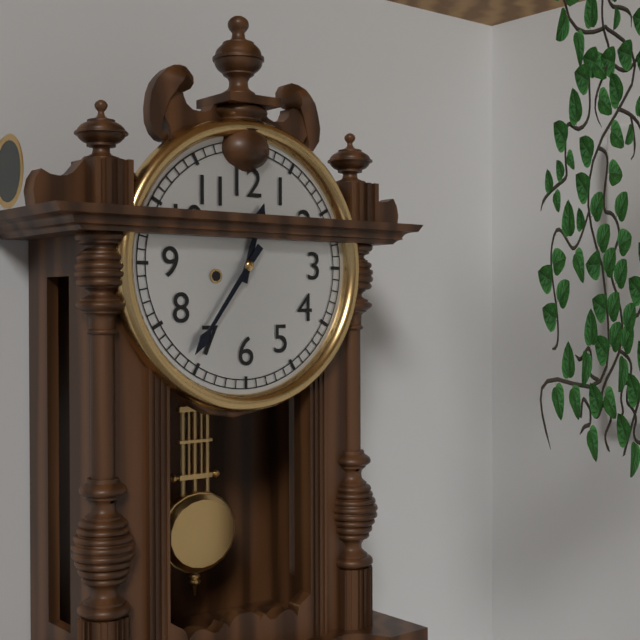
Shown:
12h36
